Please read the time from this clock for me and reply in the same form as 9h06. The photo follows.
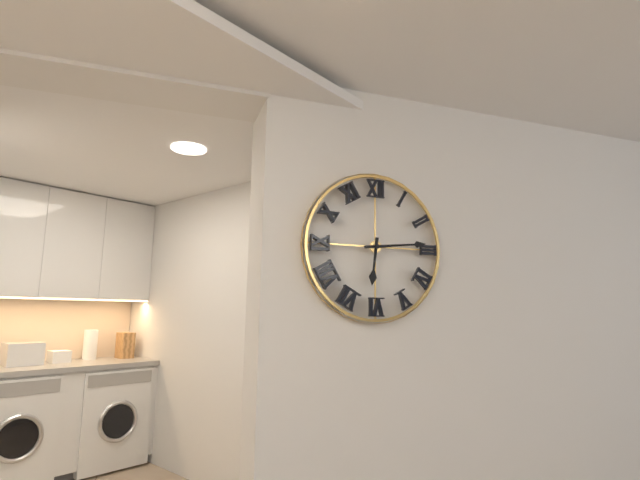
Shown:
6h14
